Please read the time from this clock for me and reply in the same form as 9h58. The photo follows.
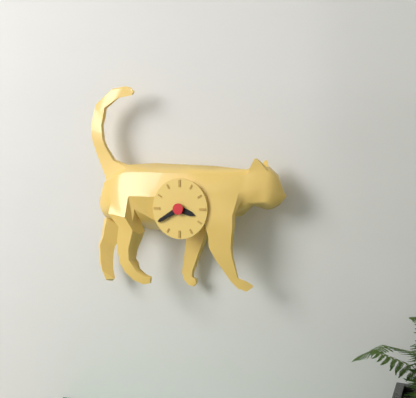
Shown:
3h40
